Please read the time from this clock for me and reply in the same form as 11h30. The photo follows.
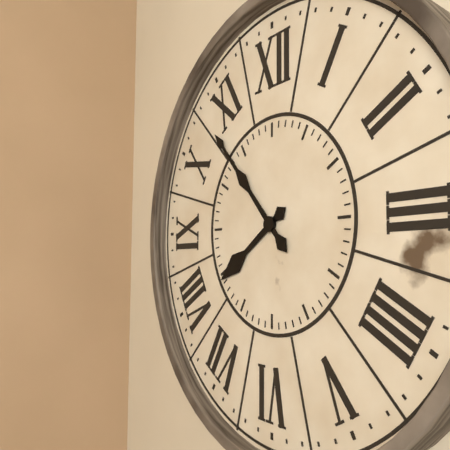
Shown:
7h53
